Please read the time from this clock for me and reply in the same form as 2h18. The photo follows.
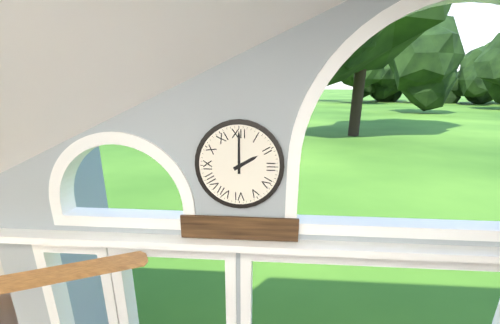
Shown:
2h00
